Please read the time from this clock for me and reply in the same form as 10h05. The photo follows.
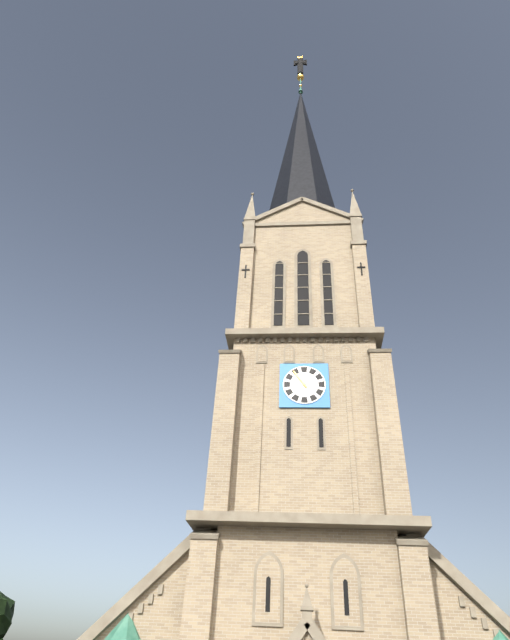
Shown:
10h54
